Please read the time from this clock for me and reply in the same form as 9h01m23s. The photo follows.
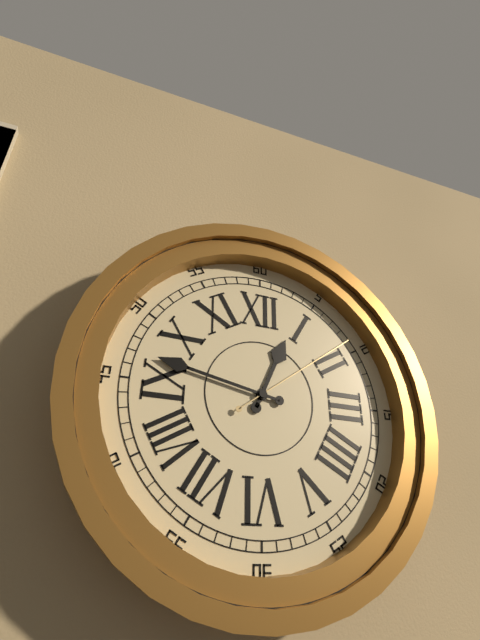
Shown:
12h47m09s
